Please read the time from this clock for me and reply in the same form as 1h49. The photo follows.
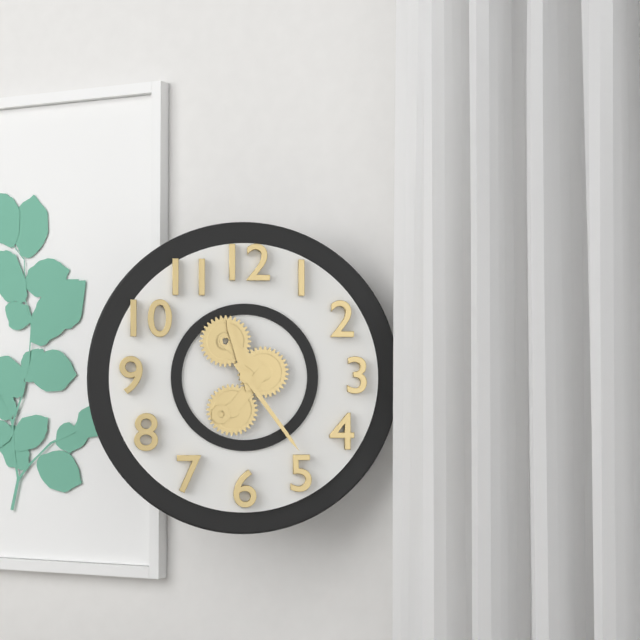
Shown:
11h24
